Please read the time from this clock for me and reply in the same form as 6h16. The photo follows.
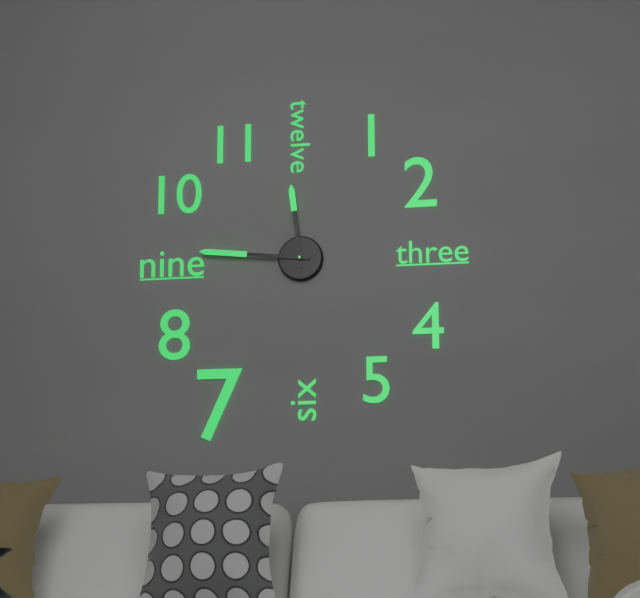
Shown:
11h46
